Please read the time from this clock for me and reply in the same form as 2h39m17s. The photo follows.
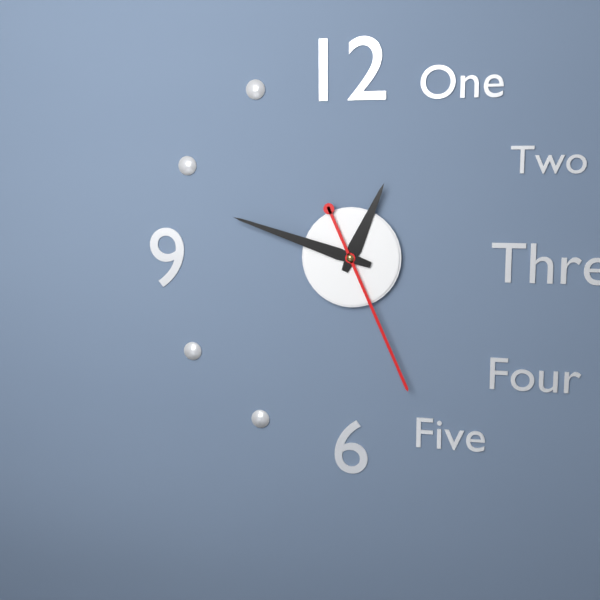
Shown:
12h48m26s
